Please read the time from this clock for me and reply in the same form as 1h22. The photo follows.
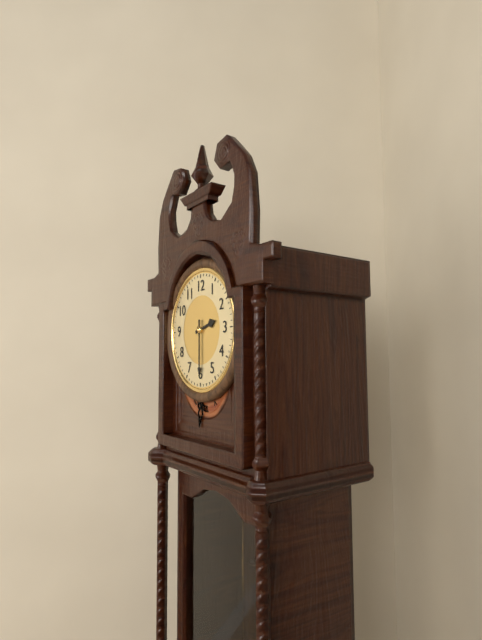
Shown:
2h30
